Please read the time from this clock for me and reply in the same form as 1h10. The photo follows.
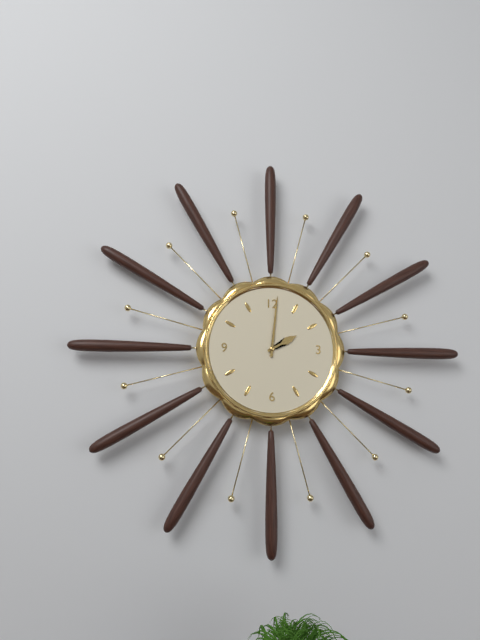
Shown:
2h01
